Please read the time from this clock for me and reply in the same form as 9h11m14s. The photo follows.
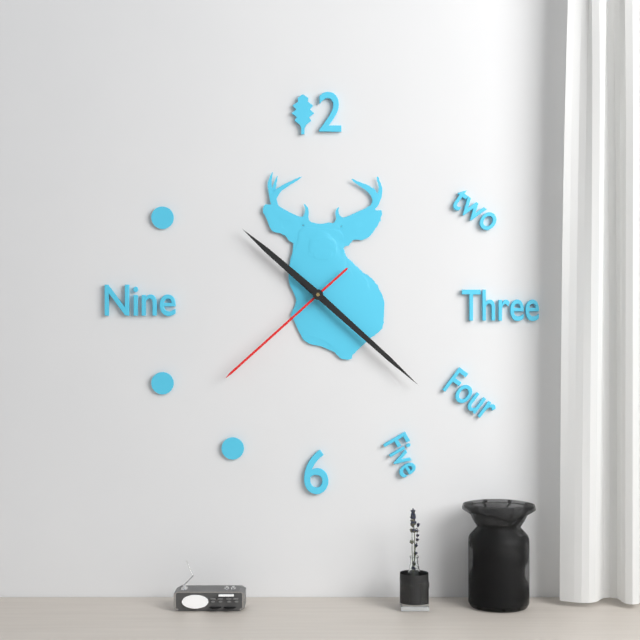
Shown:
10h22m38s
